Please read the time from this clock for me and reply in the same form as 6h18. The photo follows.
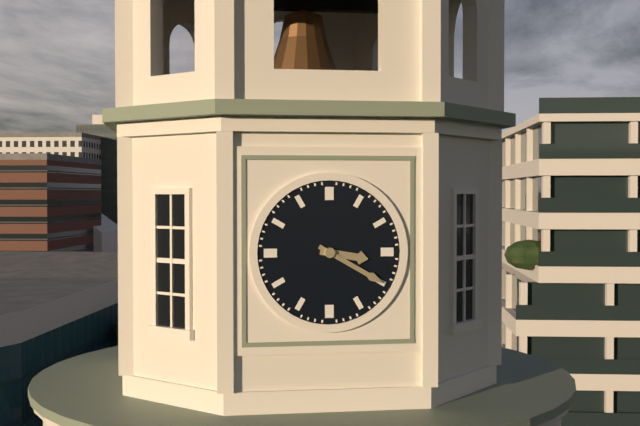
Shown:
3h20
